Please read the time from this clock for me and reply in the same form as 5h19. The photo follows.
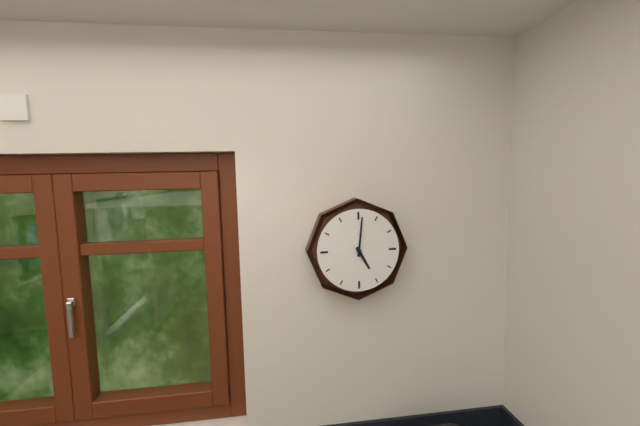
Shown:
5h01
